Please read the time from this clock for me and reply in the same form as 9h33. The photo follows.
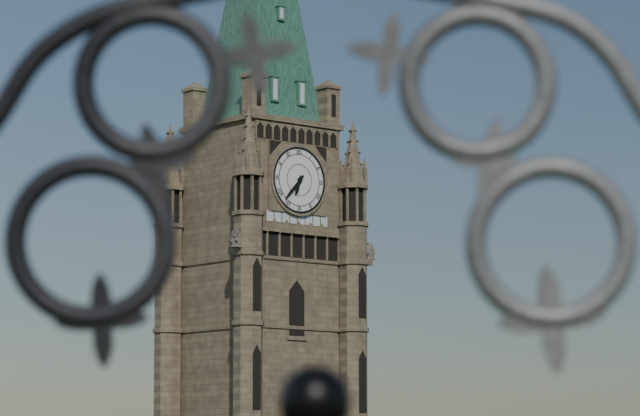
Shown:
6h37
